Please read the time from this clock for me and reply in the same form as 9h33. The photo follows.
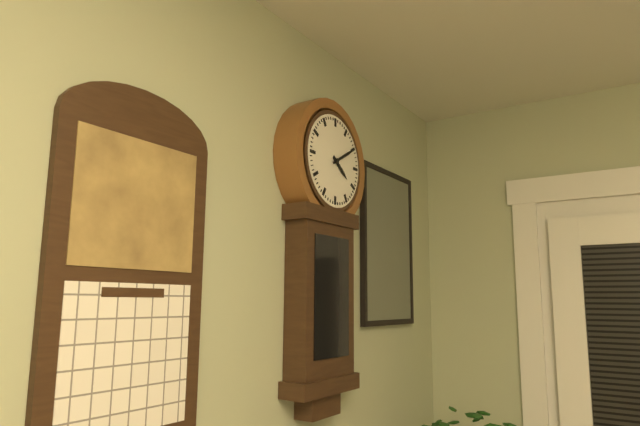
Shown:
4h10
